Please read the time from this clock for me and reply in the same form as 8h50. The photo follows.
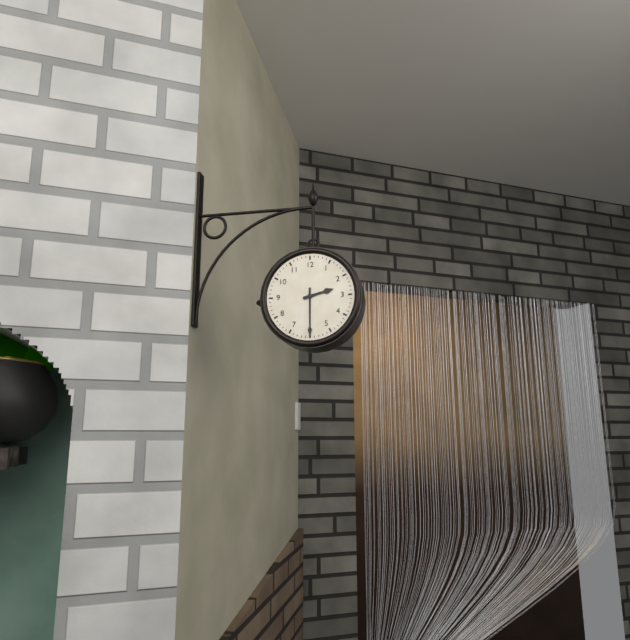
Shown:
2h30
